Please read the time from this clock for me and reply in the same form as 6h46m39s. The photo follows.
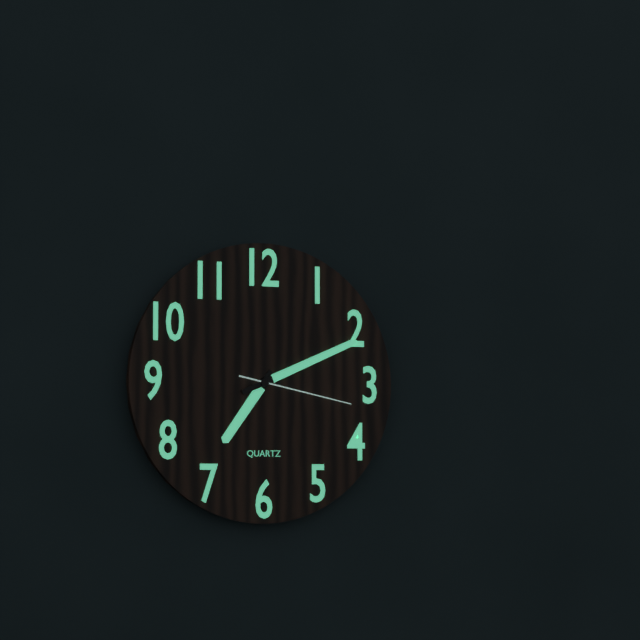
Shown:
7h11m17s
